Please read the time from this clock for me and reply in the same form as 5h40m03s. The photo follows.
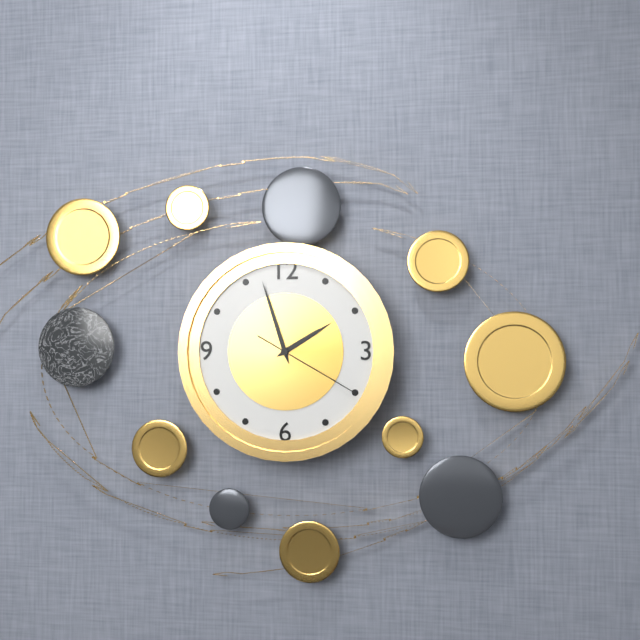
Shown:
1h57m20s
